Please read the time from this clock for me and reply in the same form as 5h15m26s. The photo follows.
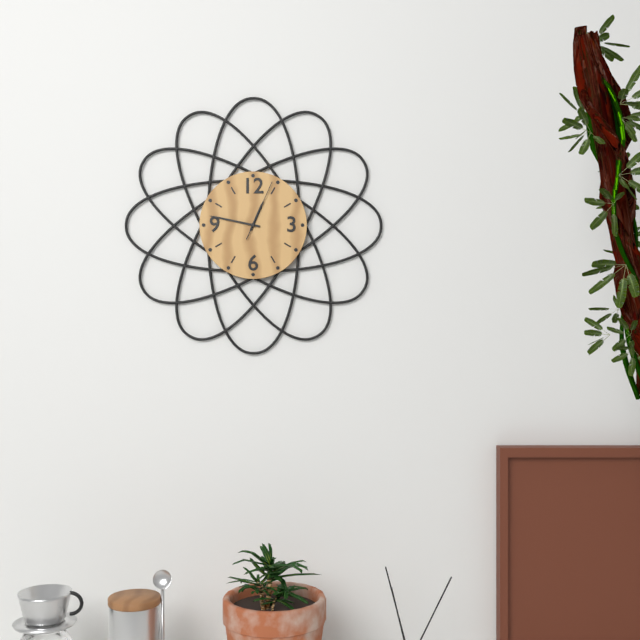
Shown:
12h47m04s
